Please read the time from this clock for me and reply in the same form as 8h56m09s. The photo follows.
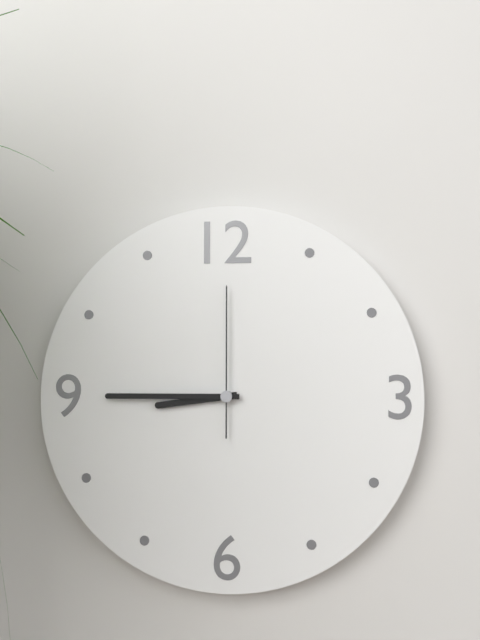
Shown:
8h45m00s
